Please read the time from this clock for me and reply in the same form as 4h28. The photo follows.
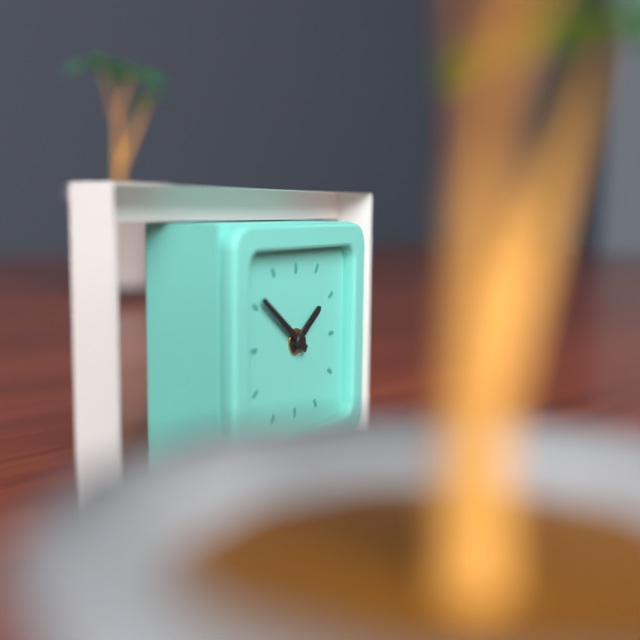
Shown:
1h51
